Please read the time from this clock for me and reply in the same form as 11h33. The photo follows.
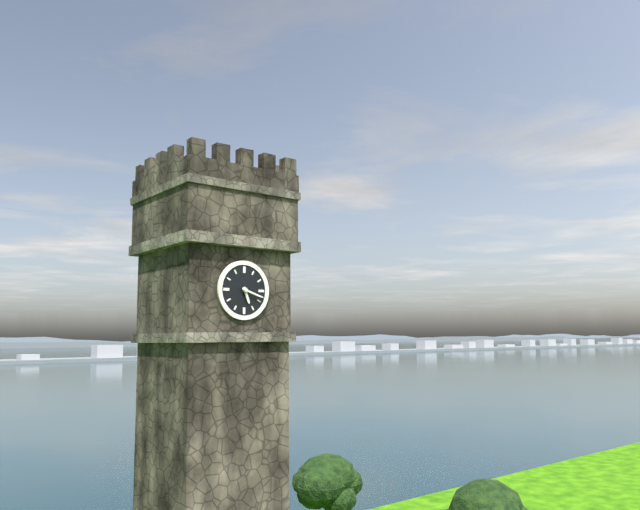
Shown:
5h18
